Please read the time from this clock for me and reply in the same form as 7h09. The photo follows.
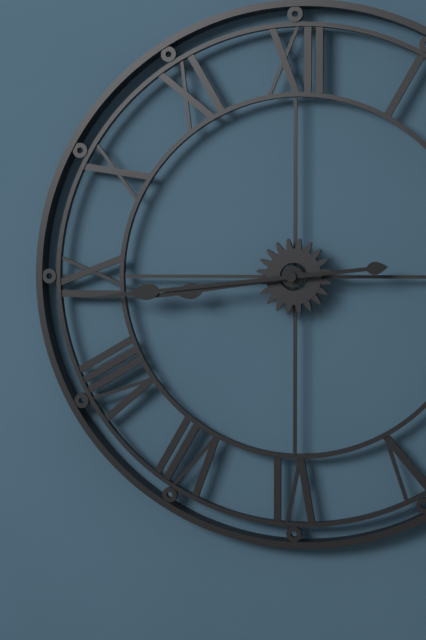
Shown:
8h44
